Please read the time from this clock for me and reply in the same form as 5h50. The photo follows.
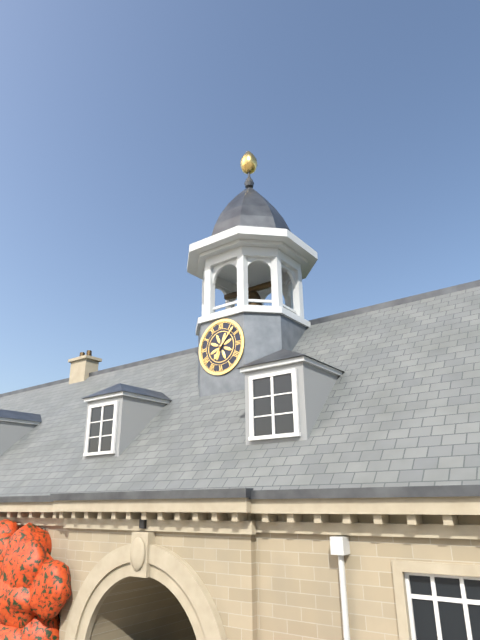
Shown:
7h07
